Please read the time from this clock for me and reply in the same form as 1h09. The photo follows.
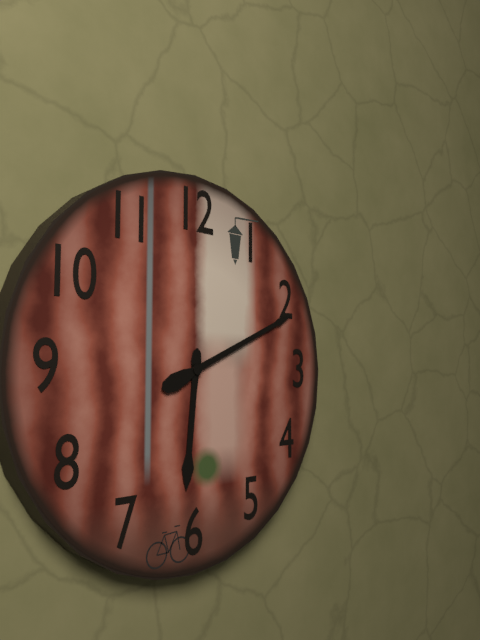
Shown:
6h11
